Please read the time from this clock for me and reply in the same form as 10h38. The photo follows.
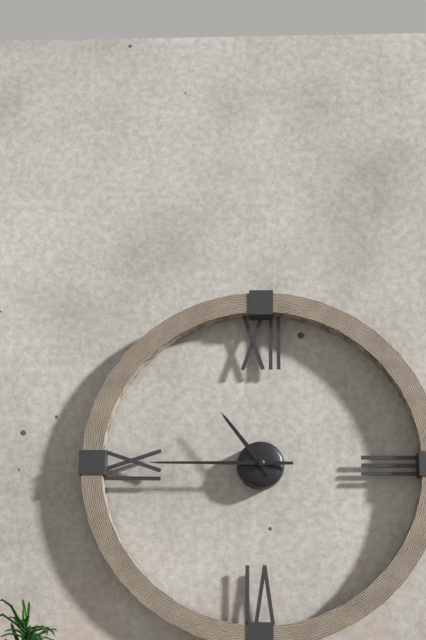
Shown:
10h45
